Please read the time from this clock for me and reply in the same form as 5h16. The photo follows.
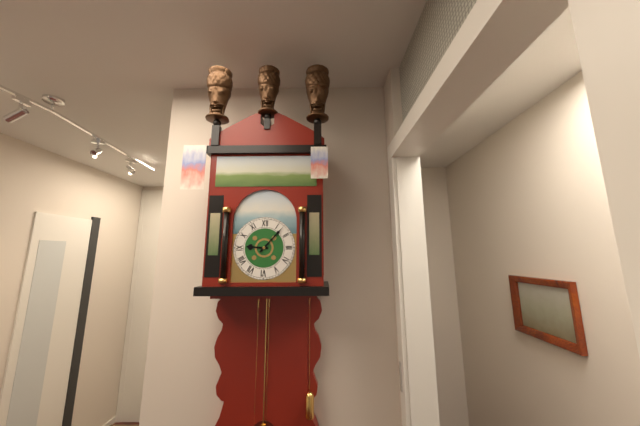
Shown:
9h07
